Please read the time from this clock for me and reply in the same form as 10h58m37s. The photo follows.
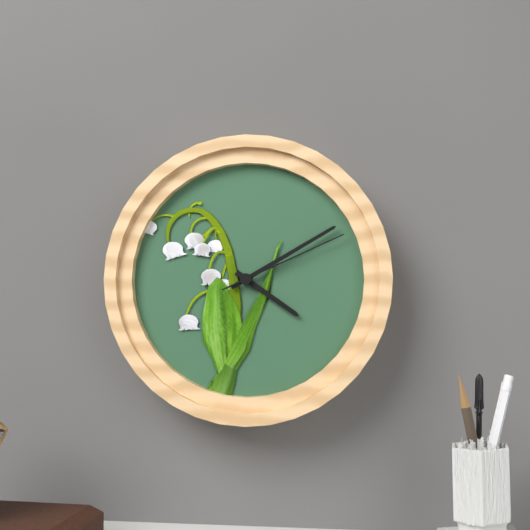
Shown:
4h10m11s
